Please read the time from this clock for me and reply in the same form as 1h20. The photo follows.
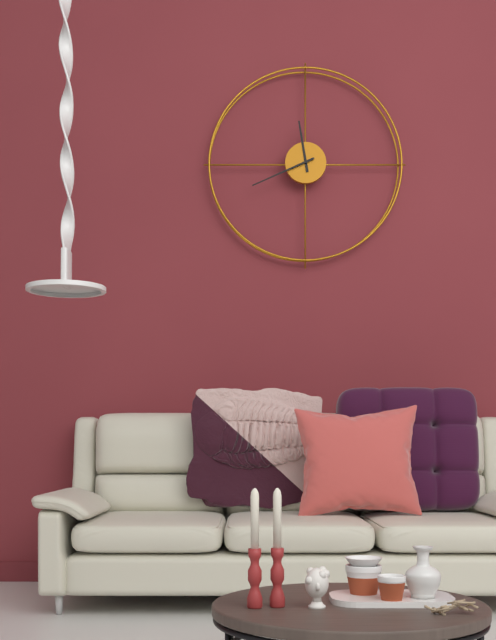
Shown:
11h41
